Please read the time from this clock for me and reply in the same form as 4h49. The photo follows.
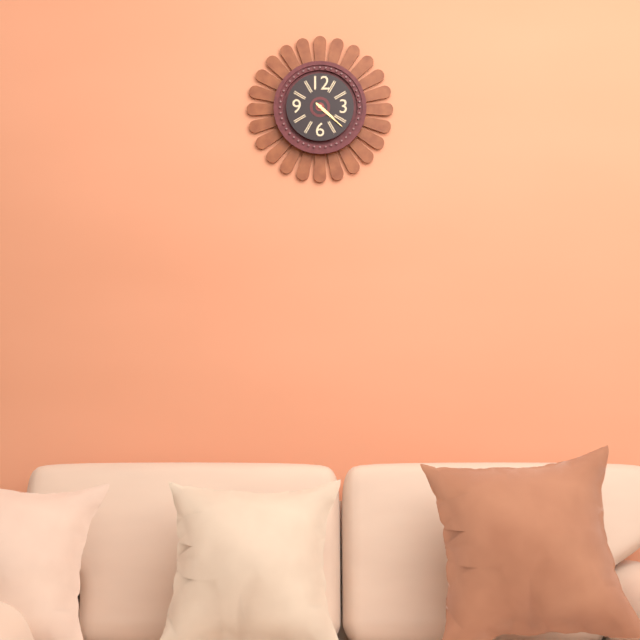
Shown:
4h22
